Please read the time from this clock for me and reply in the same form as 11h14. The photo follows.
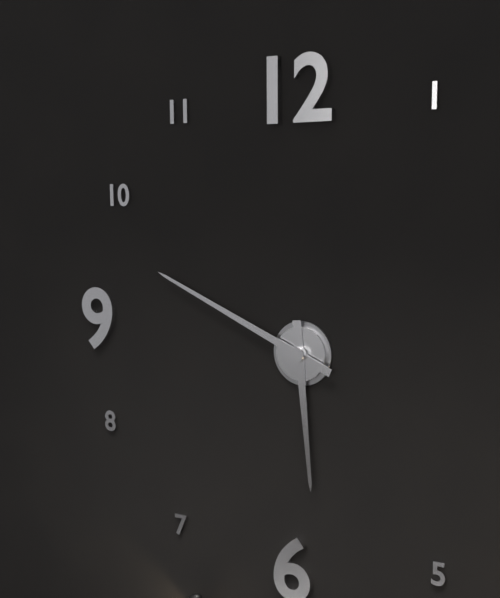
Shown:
5h49
